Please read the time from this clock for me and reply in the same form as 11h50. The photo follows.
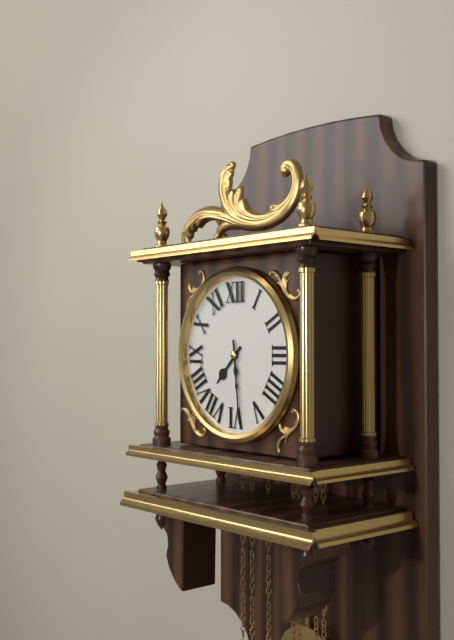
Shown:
7h29
